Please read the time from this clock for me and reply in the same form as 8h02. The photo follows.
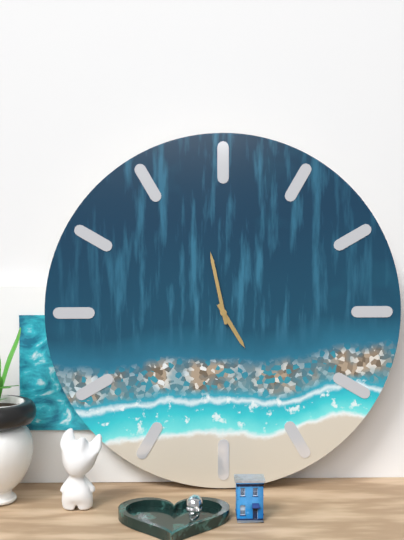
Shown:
4h58
